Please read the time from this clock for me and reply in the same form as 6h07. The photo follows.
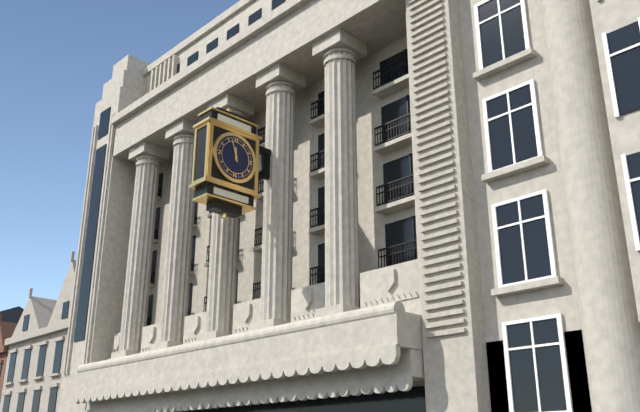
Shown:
11h57
